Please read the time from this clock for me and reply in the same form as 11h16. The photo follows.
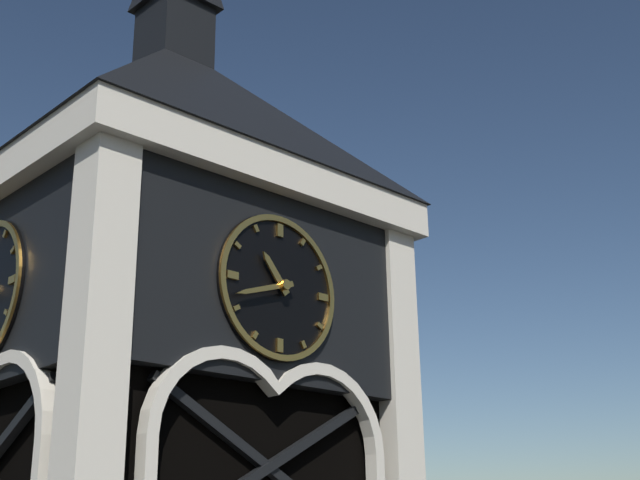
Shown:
10h42
